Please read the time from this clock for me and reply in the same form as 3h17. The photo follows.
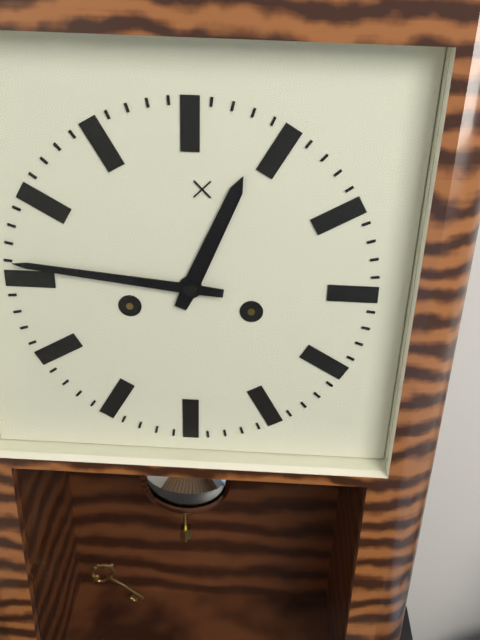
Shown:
12h46
